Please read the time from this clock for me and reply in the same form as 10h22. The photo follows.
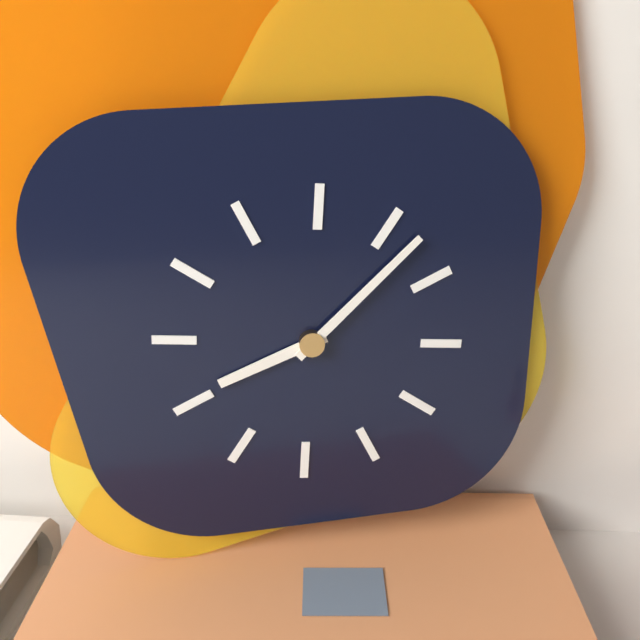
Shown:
8h07
